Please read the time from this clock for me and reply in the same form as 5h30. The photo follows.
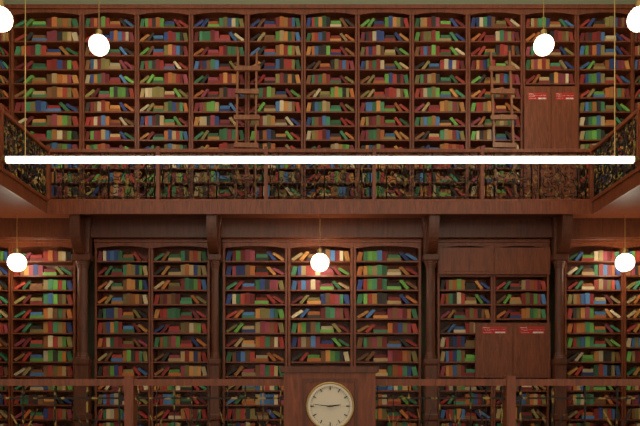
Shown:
2h46
